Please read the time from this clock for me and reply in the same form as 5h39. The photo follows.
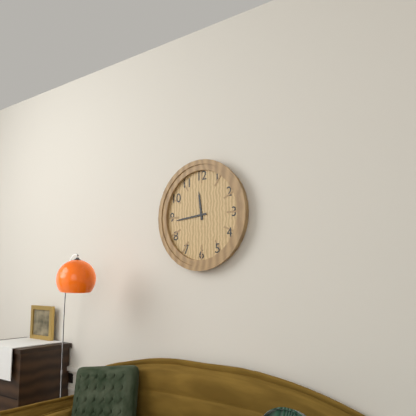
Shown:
11h44
